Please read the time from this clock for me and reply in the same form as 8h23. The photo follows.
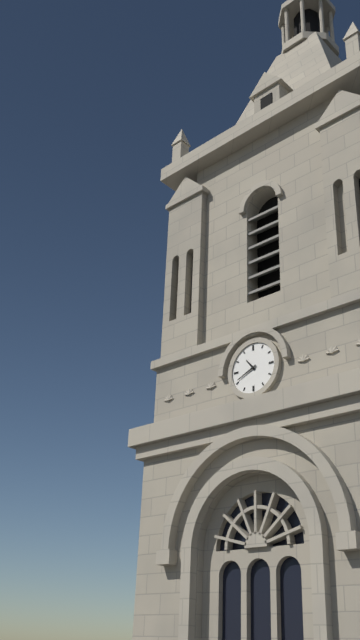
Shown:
10h41
